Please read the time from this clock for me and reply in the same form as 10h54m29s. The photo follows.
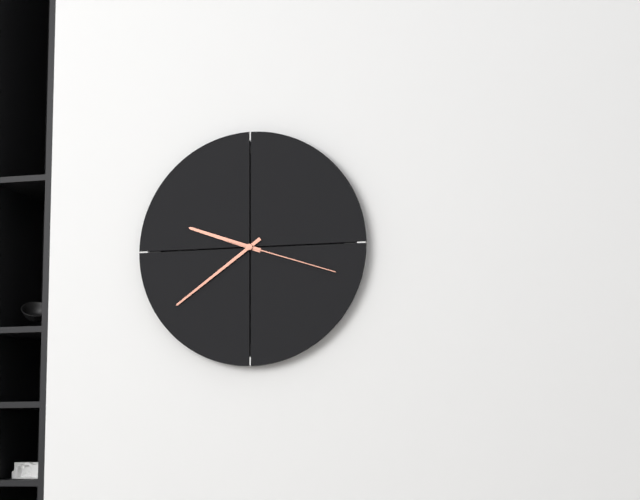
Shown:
9h39m18s
